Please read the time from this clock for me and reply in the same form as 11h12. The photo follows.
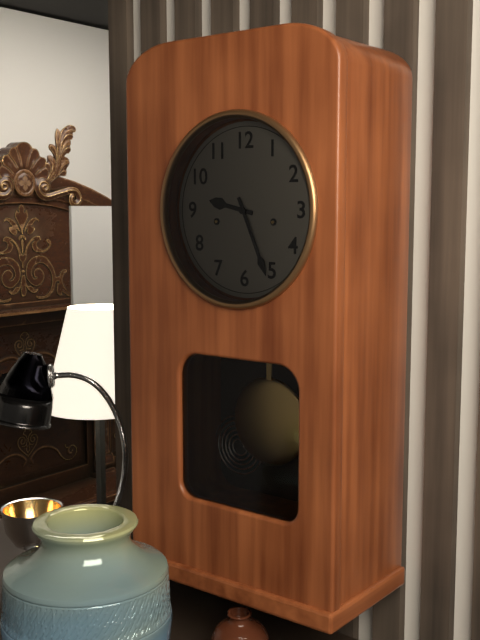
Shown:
9h26
